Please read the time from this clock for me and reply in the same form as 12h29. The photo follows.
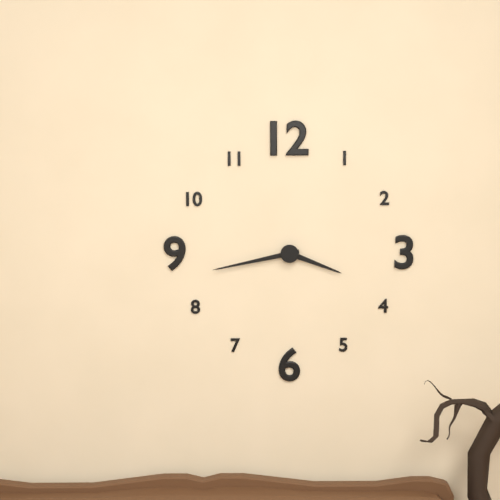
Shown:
3h43
